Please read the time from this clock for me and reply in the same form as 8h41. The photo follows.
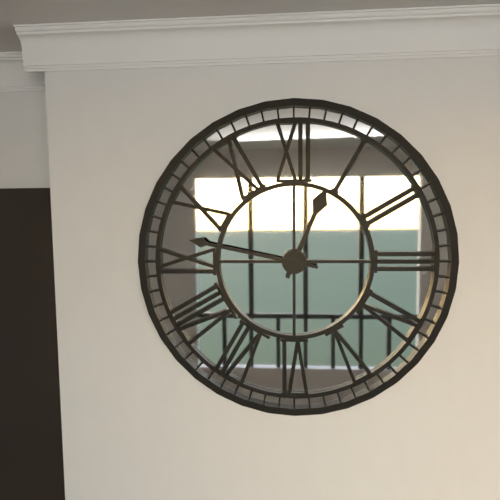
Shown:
12h47
